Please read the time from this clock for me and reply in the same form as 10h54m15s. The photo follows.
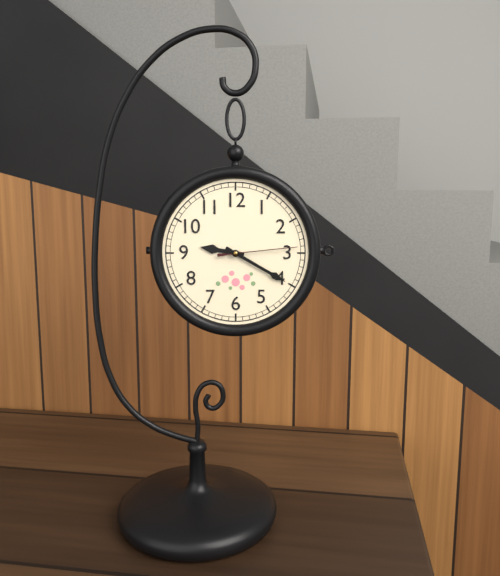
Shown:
9h20m14s
